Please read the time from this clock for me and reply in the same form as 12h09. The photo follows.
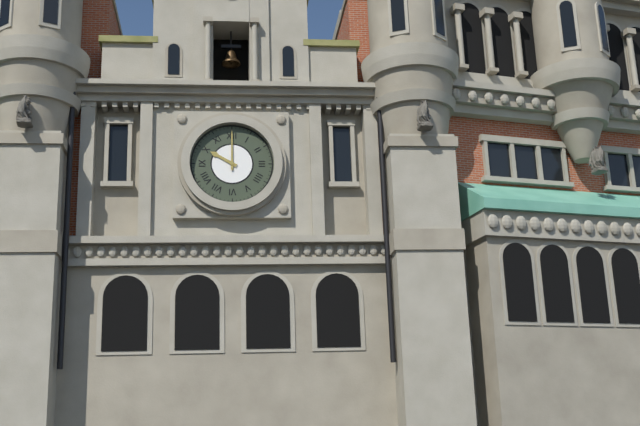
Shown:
10h00
